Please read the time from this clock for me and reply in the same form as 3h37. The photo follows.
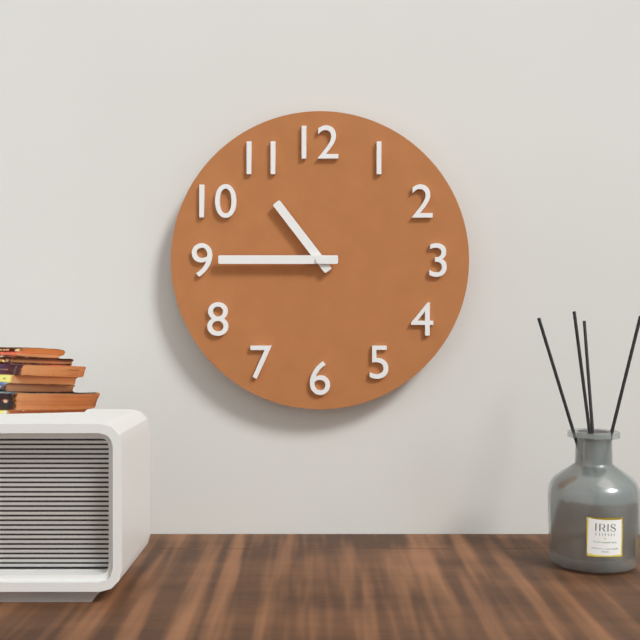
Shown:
10h45
